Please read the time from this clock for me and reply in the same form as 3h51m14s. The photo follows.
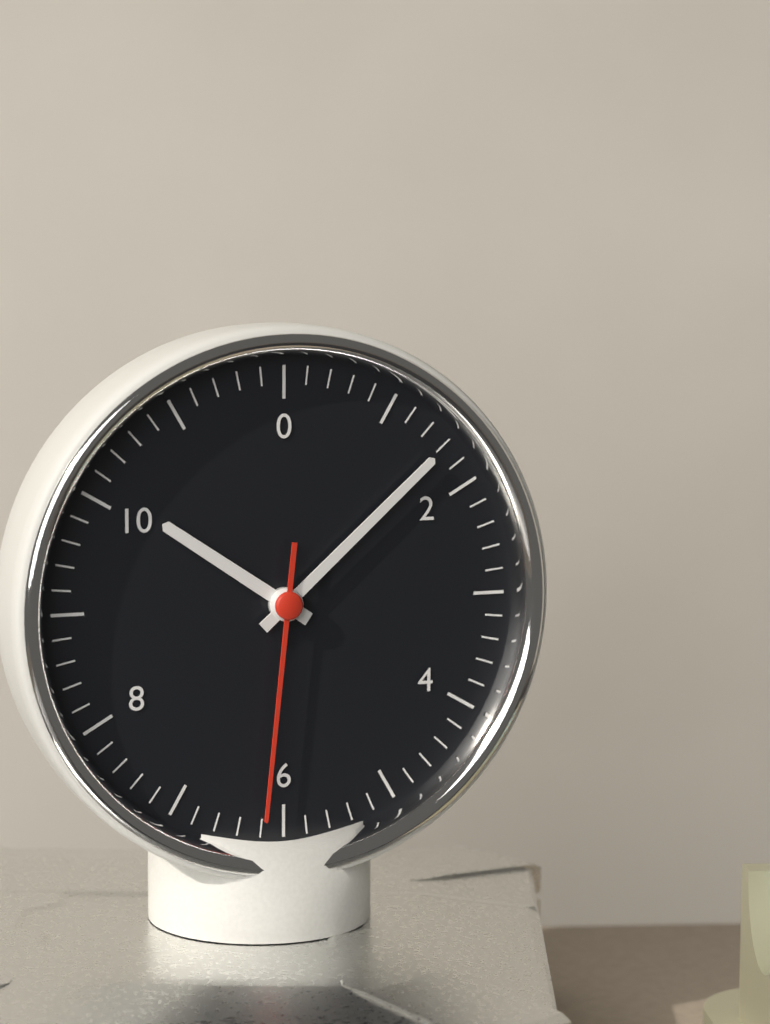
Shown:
10h08m31s
